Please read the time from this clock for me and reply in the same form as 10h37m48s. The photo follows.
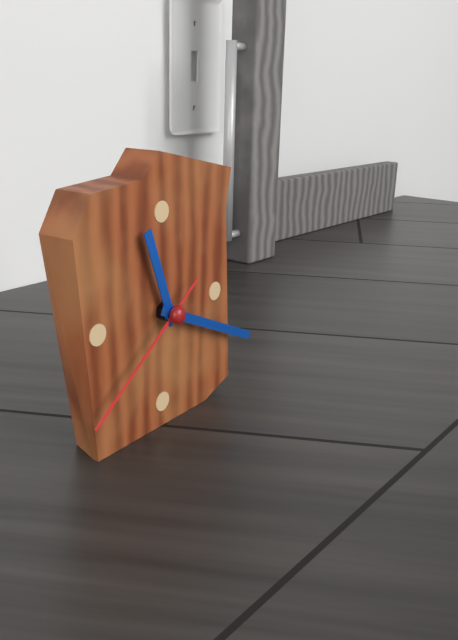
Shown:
11h19m39s
